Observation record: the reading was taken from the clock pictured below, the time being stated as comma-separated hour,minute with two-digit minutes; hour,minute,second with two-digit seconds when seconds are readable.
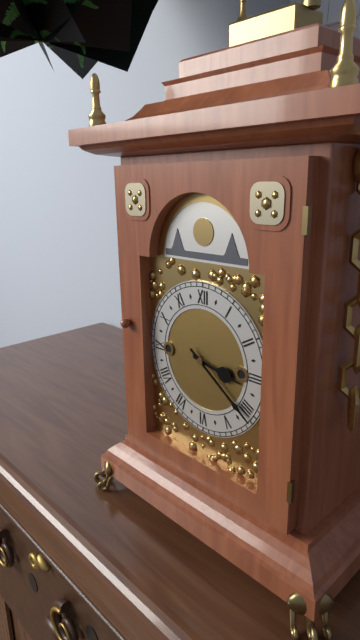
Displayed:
3,21
